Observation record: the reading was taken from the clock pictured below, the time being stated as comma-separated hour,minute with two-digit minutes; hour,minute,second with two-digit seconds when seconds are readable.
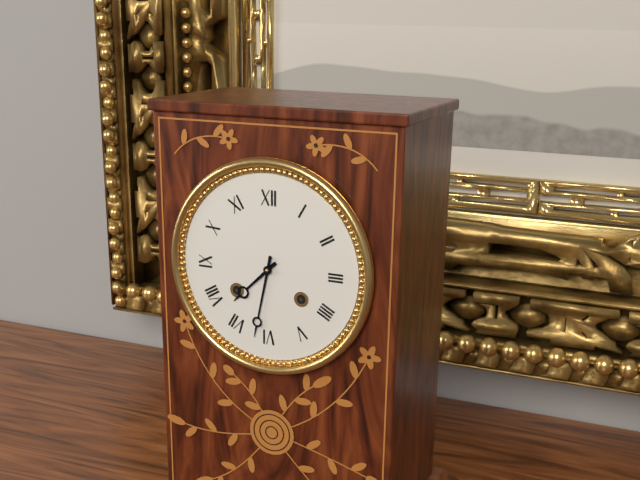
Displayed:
7,32
